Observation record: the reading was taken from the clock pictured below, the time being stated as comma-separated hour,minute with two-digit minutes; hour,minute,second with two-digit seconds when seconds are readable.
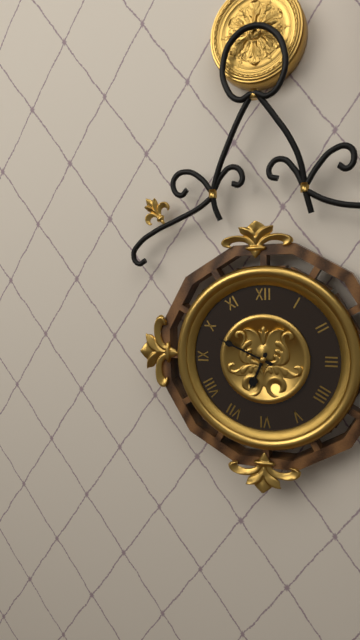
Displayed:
6,49
